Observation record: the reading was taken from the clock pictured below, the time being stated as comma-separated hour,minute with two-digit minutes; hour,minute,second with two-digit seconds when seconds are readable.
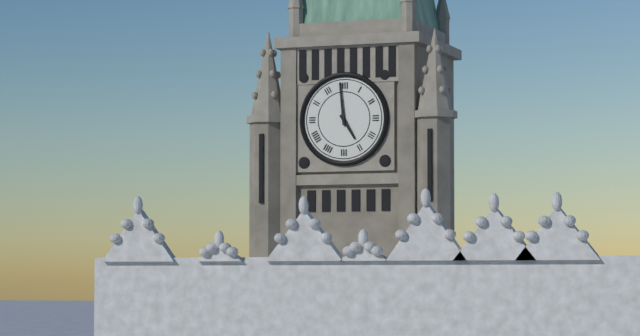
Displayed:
4,59
